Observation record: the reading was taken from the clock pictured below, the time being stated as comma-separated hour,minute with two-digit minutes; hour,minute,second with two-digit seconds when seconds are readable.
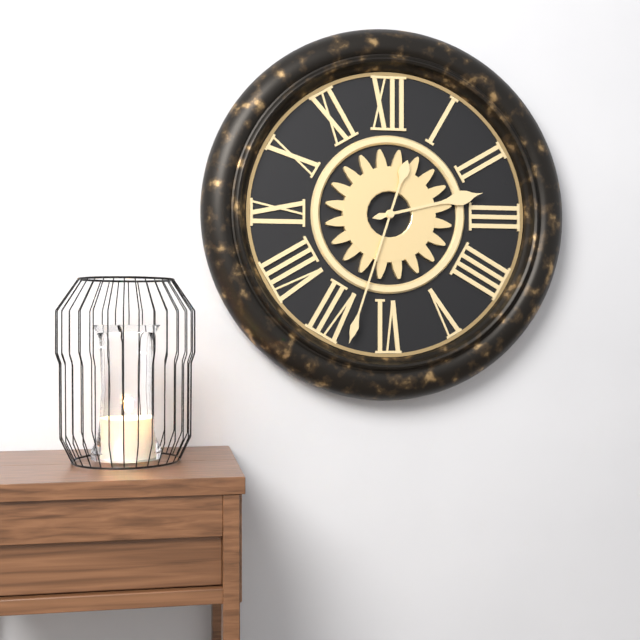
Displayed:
2,33
